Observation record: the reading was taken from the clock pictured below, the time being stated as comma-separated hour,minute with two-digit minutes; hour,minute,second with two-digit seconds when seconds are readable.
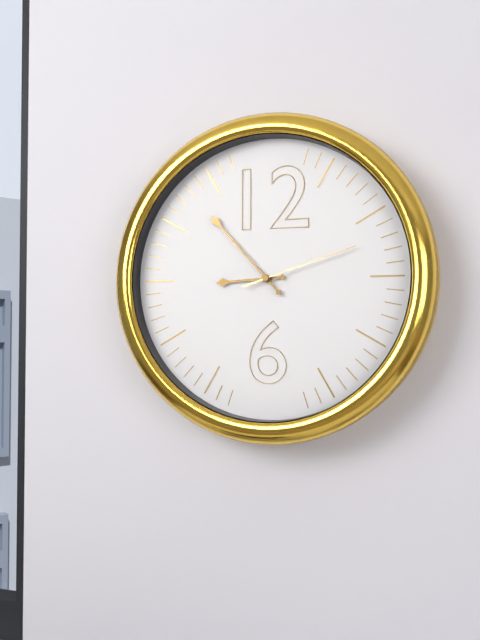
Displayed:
8,53,12
